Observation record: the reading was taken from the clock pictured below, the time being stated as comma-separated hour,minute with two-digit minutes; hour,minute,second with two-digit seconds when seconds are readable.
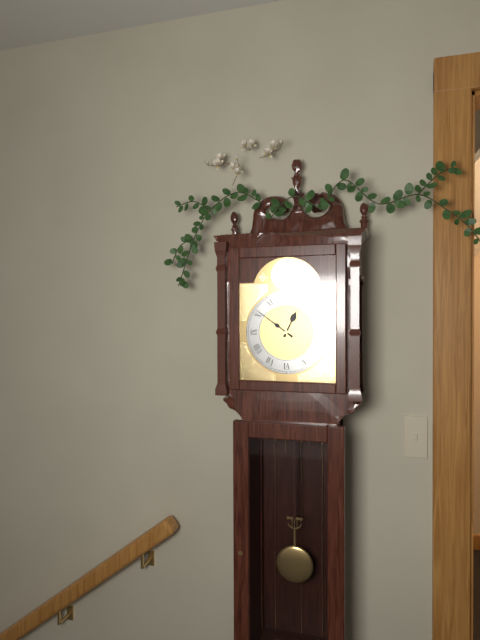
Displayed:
12,51
